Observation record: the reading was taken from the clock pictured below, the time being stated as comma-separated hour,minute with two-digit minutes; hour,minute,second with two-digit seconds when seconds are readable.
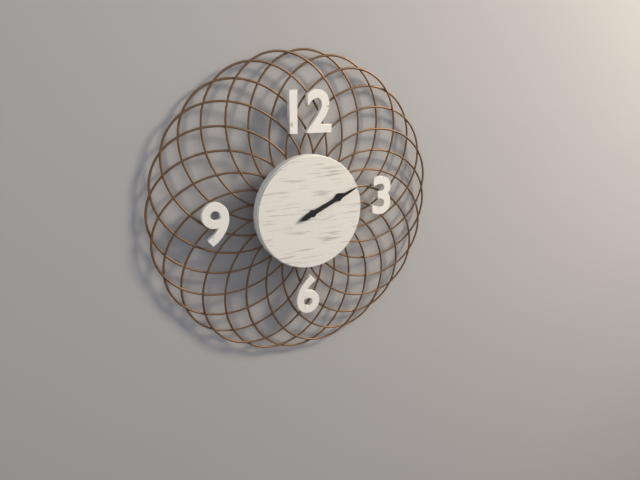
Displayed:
2,11
